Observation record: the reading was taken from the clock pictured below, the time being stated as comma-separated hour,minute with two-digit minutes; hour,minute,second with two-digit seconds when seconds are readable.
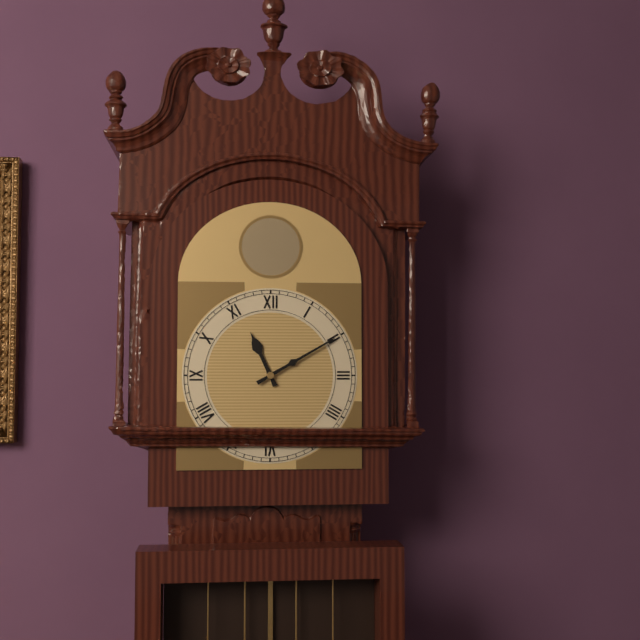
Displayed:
11,10
